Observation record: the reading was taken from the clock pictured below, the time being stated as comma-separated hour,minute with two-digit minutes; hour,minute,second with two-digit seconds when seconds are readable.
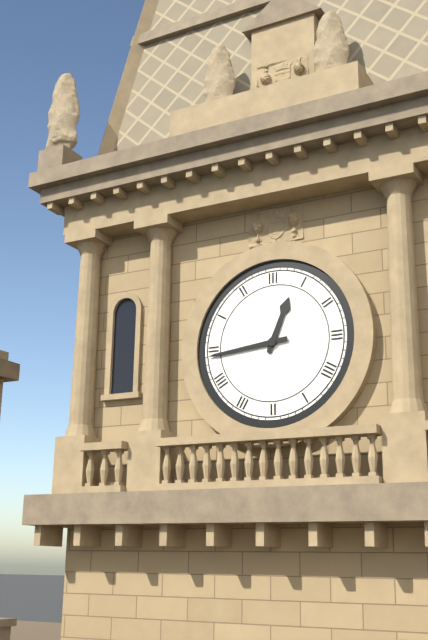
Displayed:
12,44
